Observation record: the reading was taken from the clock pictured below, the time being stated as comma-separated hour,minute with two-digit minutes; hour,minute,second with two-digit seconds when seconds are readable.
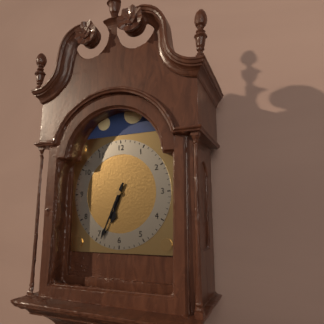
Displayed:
6,34
